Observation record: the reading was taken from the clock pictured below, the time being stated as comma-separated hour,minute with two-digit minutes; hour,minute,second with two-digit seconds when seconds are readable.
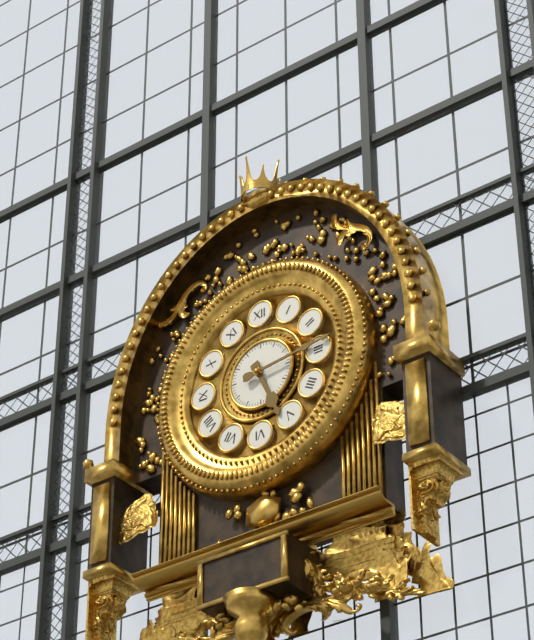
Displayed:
5,14
